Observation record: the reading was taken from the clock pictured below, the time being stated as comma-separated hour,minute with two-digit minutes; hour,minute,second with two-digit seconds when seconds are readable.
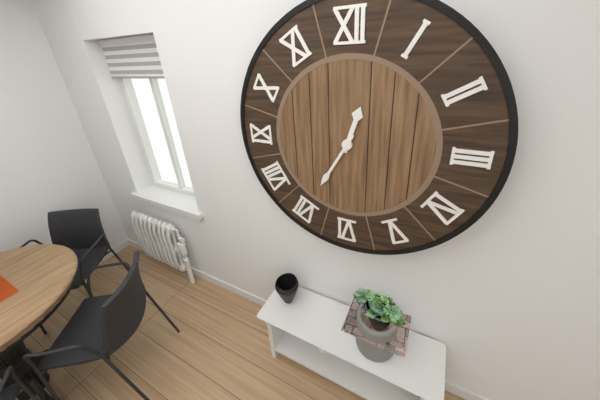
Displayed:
12,35
